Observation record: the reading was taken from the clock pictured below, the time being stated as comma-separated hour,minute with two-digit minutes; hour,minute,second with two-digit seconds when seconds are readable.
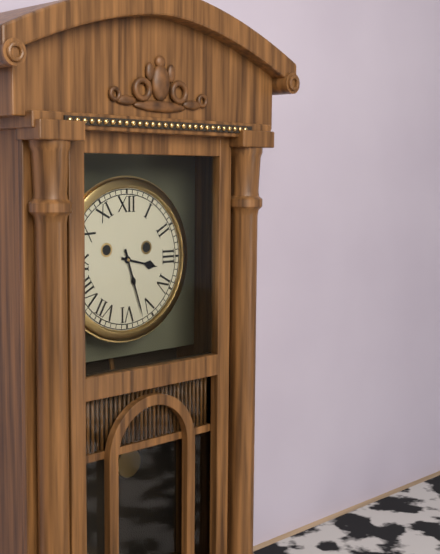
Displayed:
3,27
